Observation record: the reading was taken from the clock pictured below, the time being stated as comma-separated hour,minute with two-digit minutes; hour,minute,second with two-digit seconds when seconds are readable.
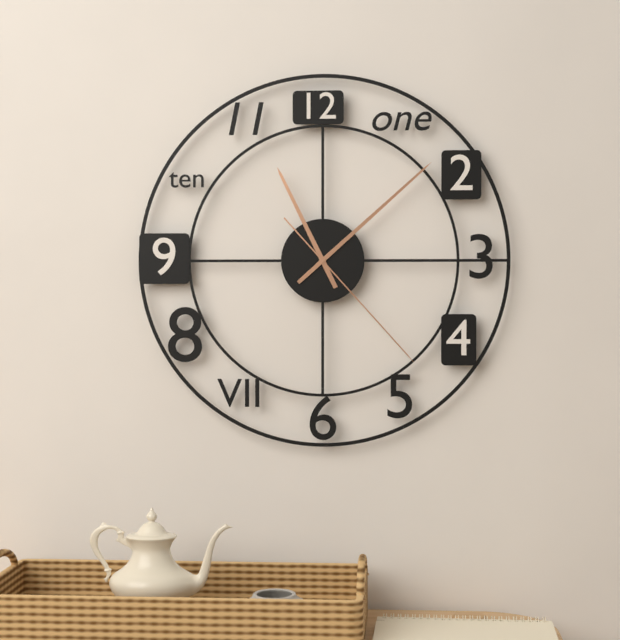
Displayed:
11,08,23
